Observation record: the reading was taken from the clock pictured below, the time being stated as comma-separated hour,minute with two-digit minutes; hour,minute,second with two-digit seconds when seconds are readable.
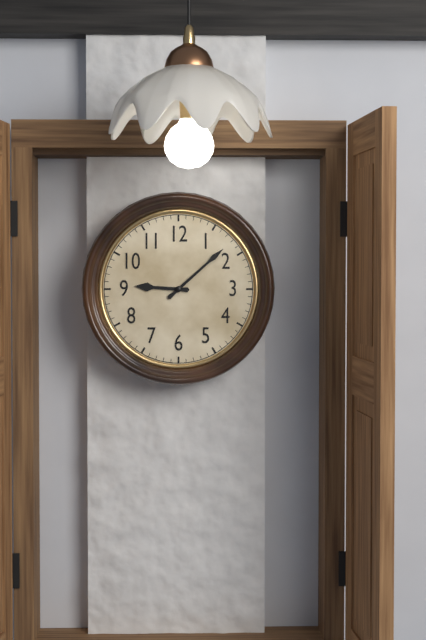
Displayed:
9,08
